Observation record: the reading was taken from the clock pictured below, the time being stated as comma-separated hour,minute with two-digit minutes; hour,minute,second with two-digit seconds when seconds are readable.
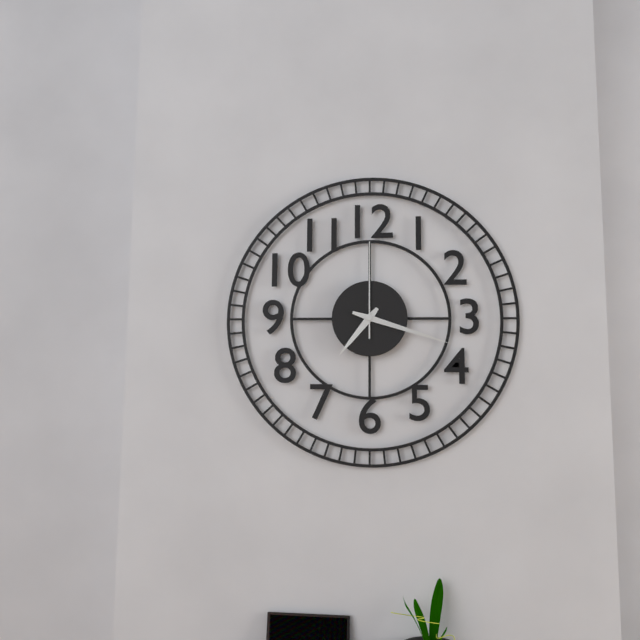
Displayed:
7,18,00
